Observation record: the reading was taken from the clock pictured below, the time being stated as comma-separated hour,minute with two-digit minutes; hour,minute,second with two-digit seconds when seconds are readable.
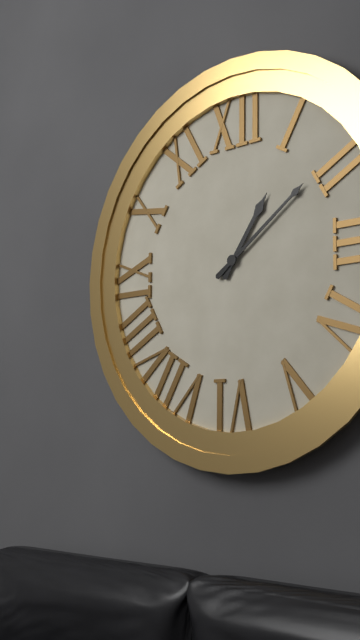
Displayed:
1,09
